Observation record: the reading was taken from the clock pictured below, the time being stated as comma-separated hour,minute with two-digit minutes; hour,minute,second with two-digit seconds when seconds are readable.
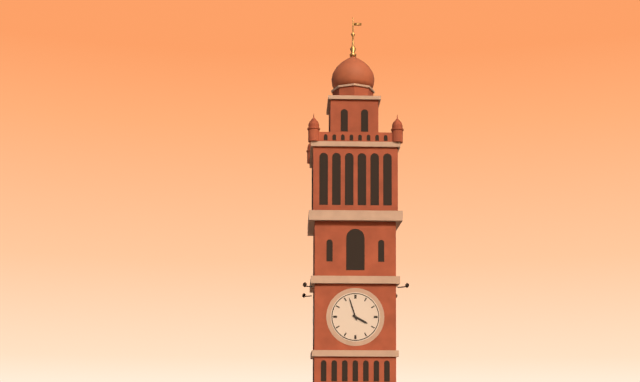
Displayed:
3,57
